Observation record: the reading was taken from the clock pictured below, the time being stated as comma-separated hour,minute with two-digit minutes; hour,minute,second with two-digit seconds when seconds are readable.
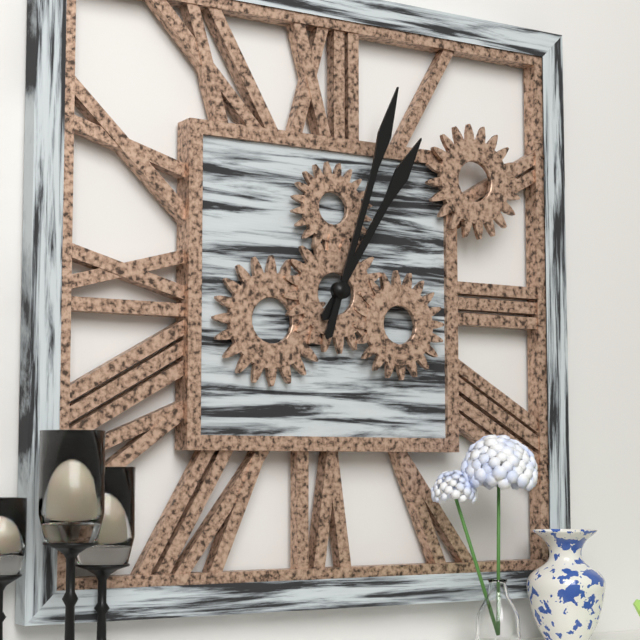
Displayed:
1,03
